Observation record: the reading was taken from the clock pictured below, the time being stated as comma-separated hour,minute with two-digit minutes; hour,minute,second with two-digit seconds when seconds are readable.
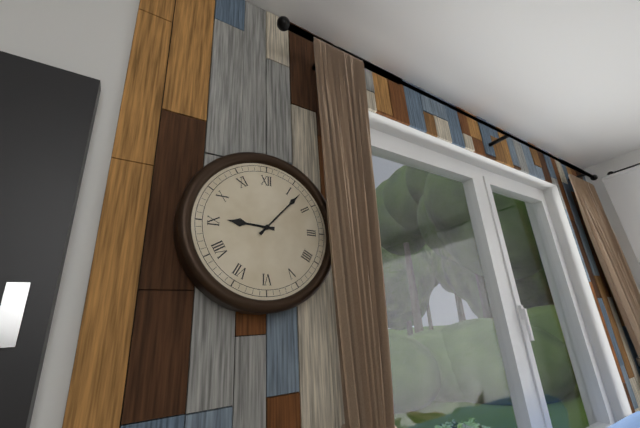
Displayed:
9,07
